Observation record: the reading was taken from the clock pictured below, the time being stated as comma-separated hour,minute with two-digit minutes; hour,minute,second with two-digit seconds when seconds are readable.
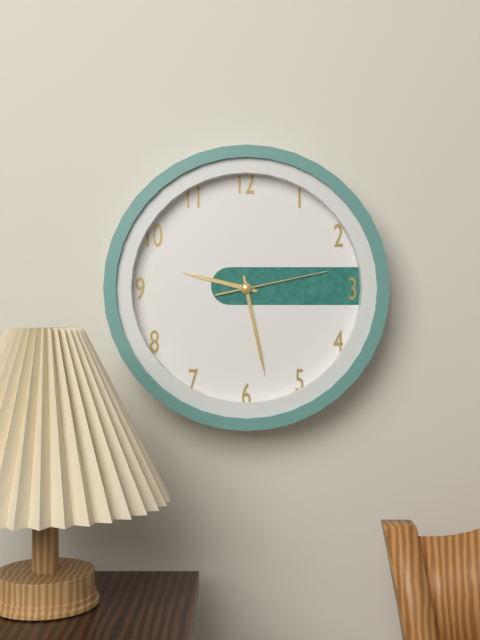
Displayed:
9,28,13
